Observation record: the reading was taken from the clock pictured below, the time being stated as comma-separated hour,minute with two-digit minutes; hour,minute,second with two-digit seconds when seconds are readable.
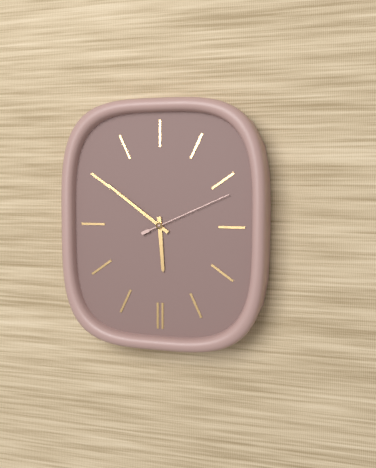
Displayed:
5,51,11
